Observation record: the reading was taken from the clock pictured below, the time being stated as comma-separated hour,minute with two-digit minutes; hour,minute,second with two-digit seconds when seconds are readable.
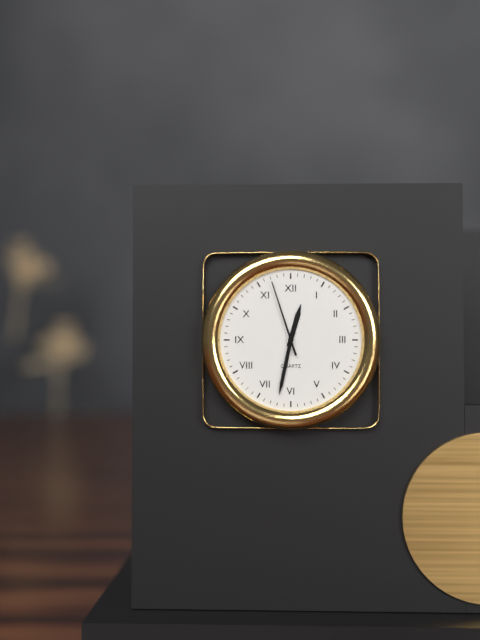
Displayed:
12,32,57
